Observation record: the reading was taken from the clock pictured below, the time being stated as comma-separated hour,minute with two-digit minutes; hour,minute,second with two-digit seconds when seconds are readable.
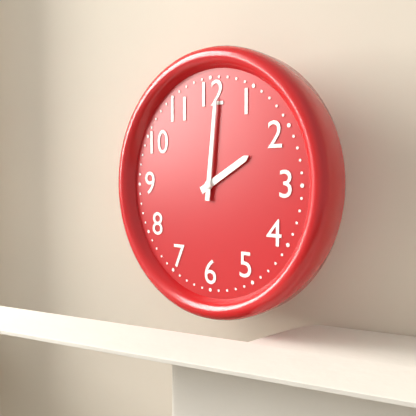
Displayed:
2,01
